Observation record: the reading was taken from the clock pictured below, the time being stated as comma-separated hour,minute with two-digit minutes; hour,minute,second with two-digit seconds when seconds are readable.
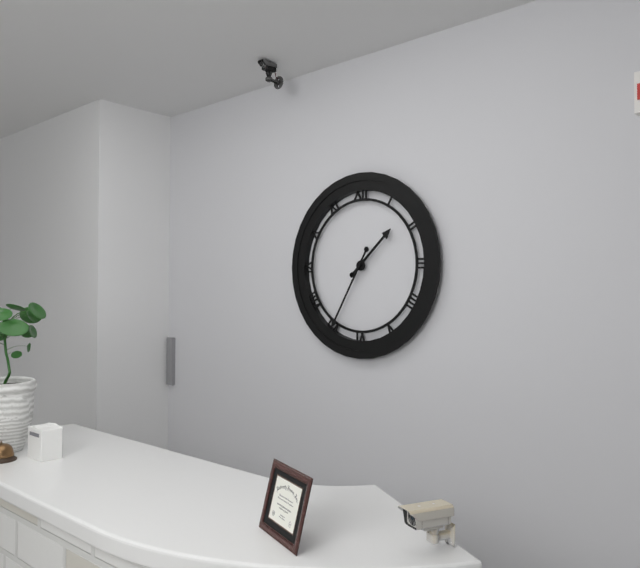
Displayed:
1,35
